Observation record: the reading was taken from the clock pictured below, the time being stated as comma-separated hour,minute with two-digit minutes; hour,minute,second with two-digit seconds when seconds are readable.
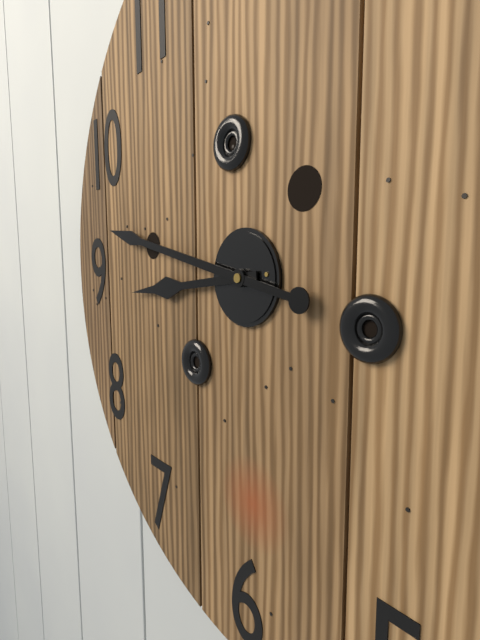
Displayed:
8,47
